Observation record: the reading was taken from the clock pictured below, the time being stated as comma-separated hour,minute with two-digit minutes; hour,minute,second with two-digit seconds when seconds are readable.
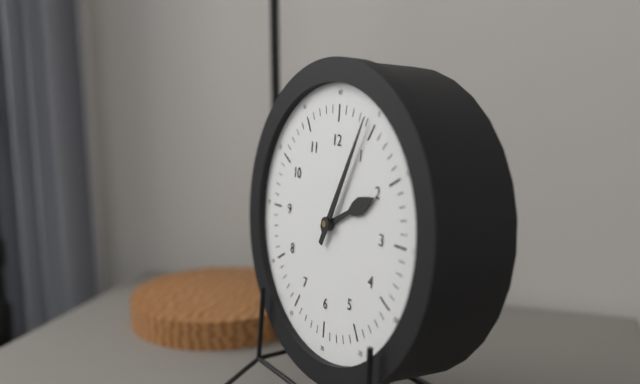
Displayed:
2,04
